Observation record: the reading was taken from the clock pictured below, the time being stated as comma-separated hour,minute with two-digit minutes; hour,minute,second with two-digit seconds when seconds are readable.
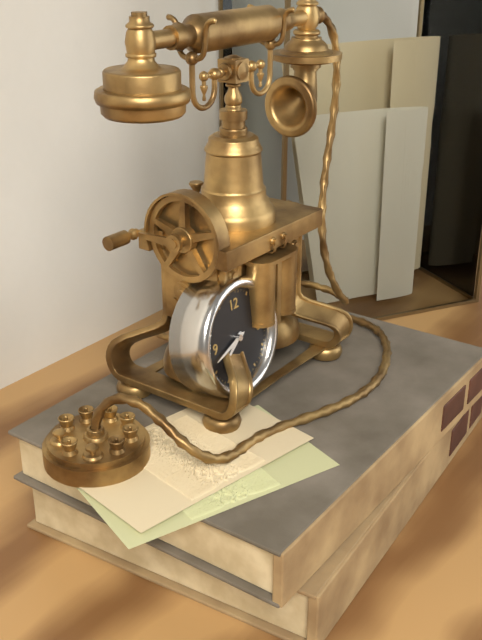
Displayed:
7,42
